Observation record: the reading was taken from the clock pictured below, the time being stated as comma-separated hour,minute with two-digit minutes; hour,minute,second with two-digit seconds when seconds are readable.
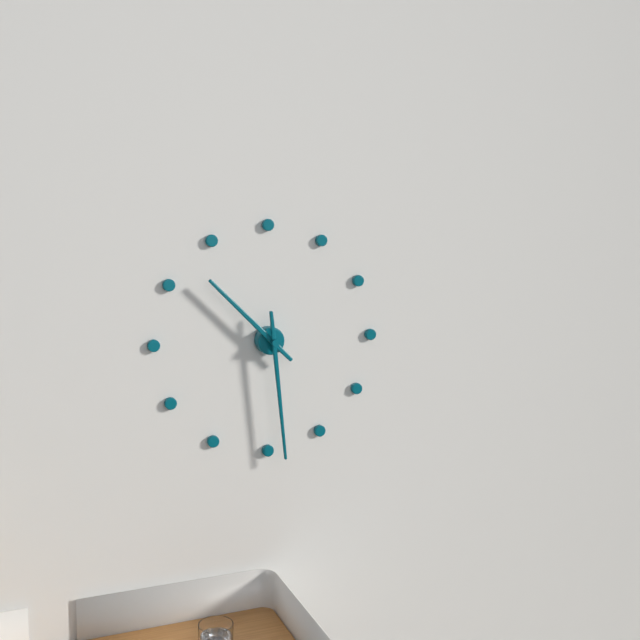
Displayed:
10,29
